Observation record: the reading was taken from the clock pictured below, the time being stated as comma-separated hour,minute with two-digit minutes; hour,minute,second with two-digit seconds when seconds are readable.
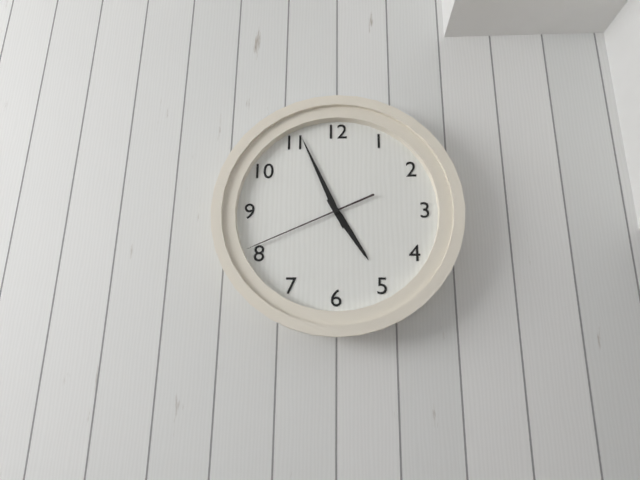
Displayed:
4,56,41
